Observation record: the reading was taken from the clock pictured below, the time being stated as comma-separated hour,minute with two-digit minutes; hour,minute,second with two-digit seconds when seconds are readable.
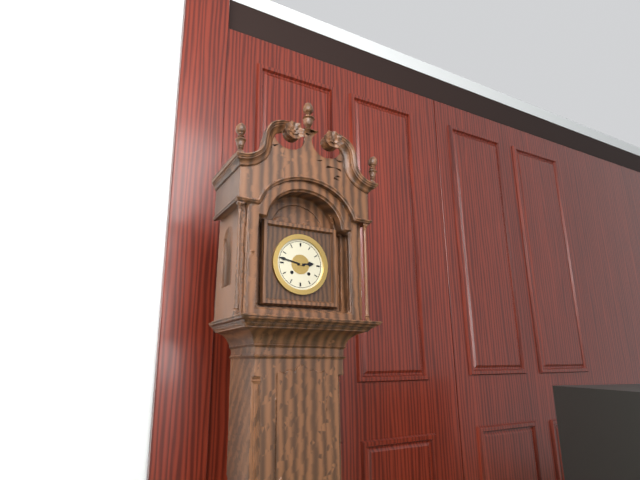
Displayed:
2,47
